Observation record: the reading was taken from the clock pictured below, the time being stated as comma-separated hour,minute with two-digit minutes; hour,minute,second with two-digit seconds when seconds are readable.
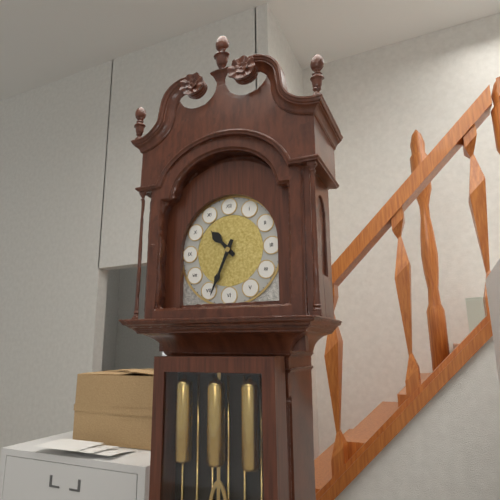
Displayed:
10,34
